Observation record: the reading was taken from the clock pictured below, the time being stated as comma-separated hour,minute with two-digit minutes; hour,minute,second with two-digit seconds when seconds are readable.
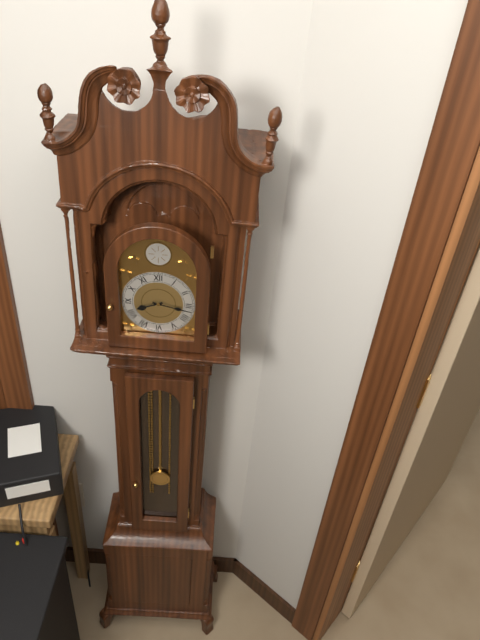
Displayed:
8,17
